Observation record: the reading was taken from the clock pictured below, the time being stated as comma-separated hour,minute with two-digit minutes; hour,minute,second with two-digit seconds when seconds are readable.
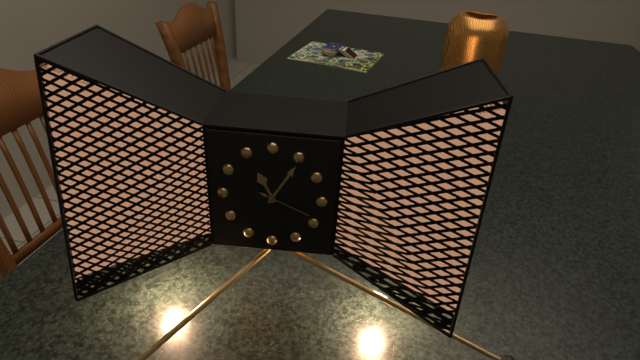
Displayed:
11,05,19
